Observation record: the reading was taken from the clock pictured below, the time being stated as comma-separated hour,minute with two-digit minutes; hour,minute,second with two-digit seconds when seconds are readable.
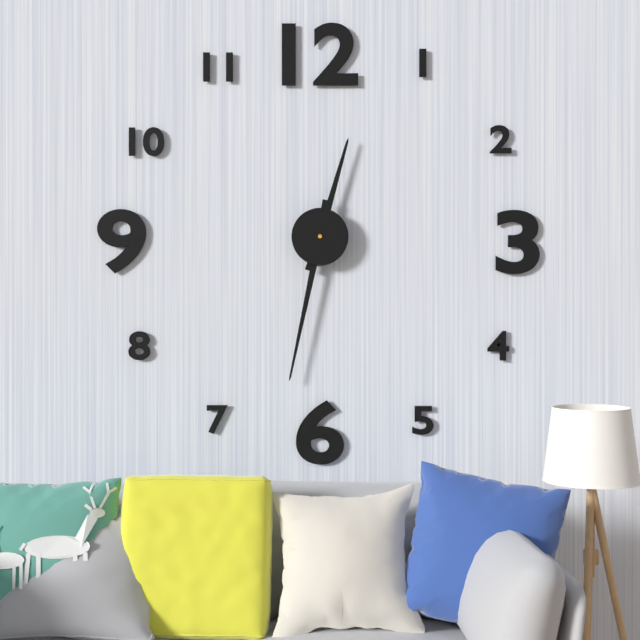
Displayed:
12,32
